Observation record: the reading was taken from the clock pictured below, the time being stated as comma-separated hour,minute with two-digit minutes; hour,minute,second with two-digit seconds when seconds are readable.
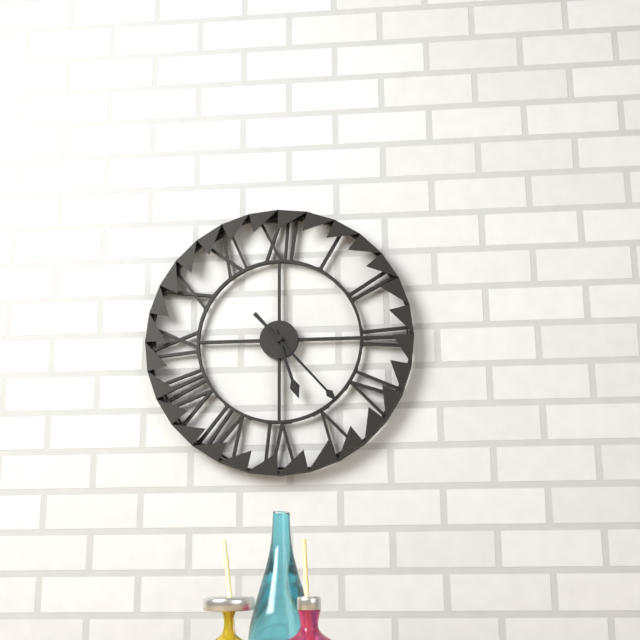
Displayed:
5,23
